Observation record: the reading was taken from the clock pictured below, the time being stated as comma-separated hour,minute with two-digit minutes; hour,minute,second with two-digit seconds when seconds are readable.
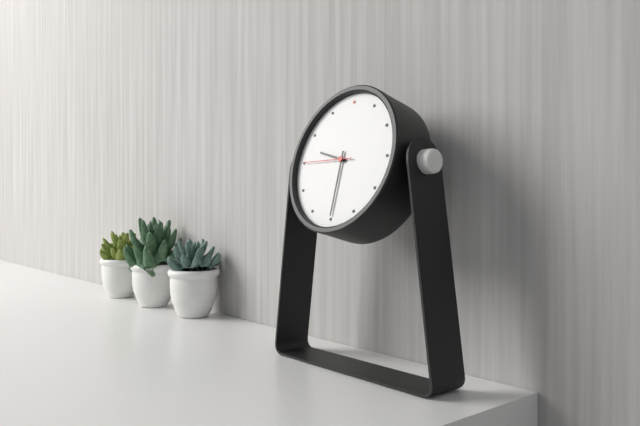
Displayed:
9,30
